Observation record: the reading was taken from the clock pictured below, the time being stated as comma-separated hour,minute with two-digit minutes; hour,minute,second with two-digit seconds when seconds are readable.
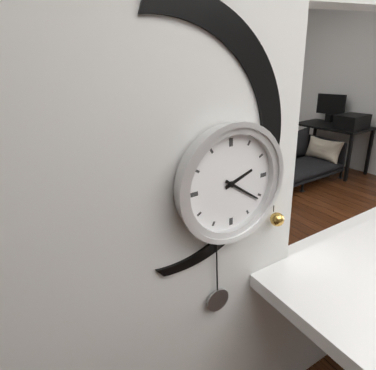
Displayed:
2,21
